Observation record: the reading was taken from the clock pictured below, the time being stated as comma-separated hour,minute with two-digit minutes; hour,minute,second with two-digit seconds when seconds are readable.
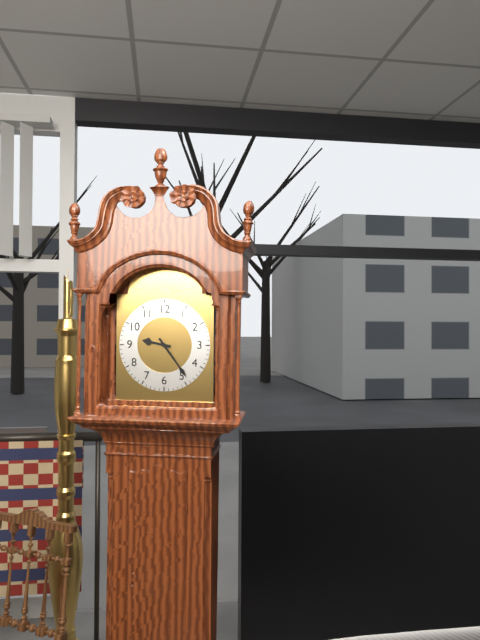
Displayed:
9,24
